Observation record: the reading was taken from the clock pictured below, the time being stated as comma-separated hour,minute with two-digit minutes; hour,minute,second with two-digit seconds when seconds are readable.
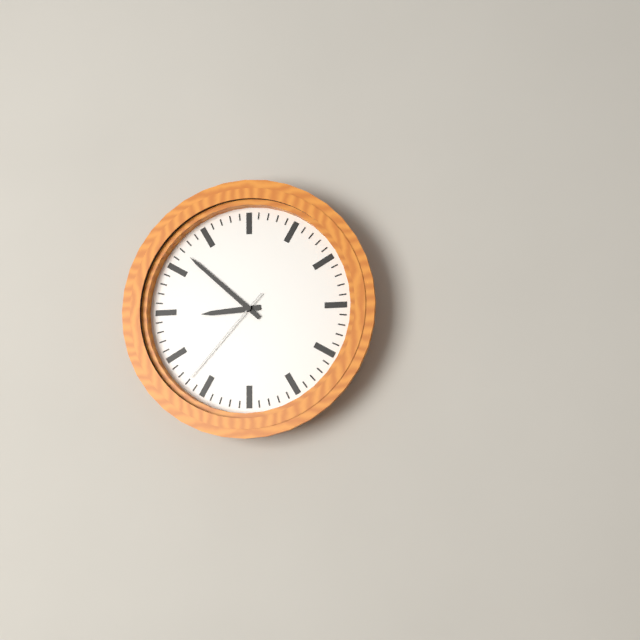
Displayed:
8,52,37
